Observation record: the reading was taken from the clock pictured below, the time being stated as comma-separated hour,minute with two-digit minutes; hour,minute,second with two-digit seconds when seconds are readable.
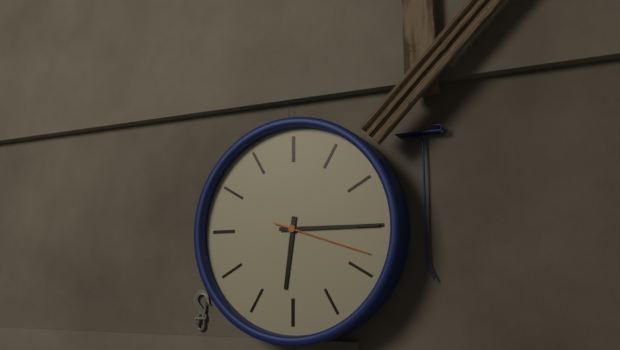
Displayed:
6,15,18
